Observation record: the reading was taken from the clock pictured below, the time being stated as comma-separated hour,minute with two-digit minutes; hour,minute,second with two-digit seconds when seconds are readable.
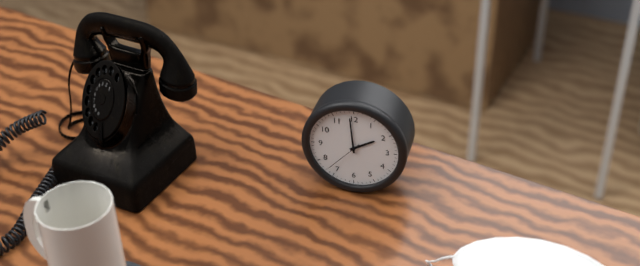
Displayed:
1,59
